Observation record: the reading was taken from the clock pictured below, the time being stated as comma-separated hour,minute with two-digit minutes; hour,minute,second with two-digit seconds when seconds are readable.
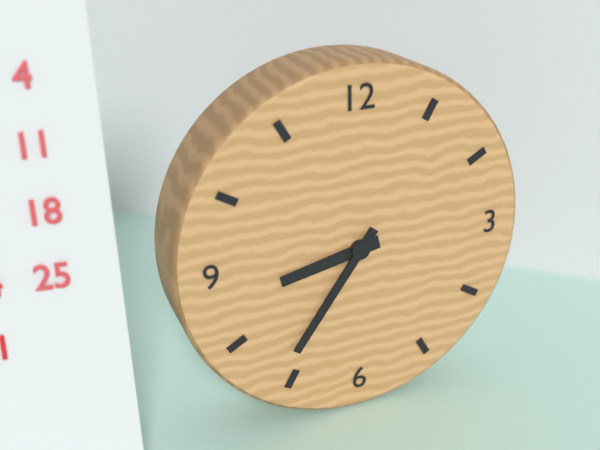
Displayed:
8,36
